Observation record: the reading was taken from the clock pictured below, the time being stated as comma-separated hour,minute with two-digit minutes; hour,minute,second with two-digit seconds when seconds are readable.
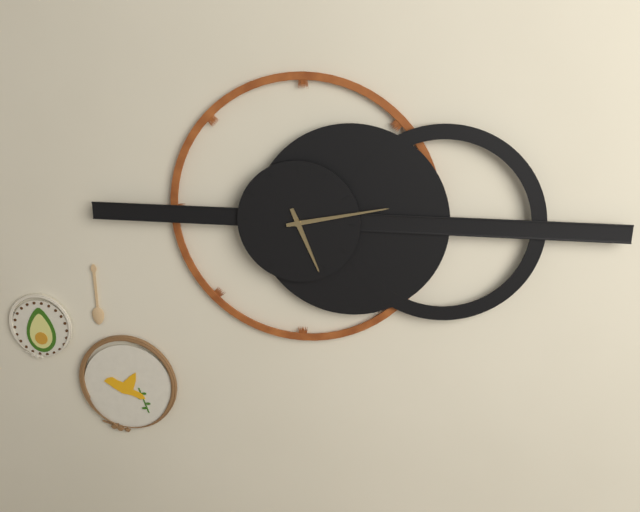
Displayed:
5,13
